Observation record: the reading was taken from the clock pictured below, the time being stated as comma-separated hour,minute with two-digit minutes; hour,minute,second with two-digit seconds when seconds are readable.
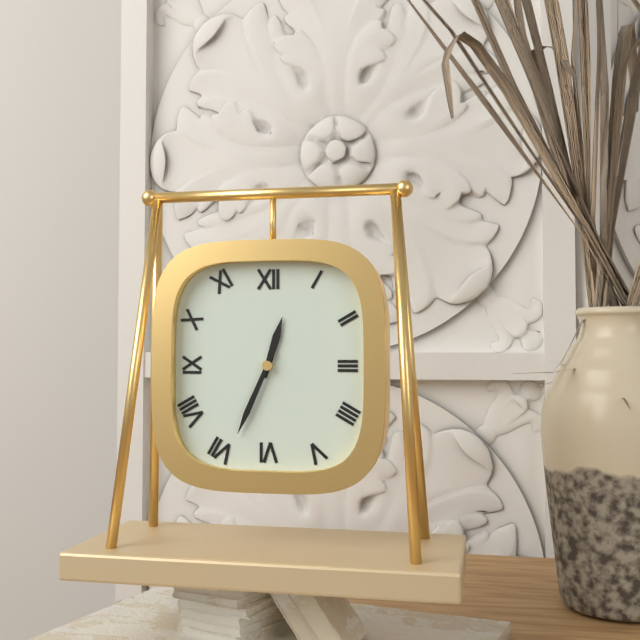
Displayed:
12,34
